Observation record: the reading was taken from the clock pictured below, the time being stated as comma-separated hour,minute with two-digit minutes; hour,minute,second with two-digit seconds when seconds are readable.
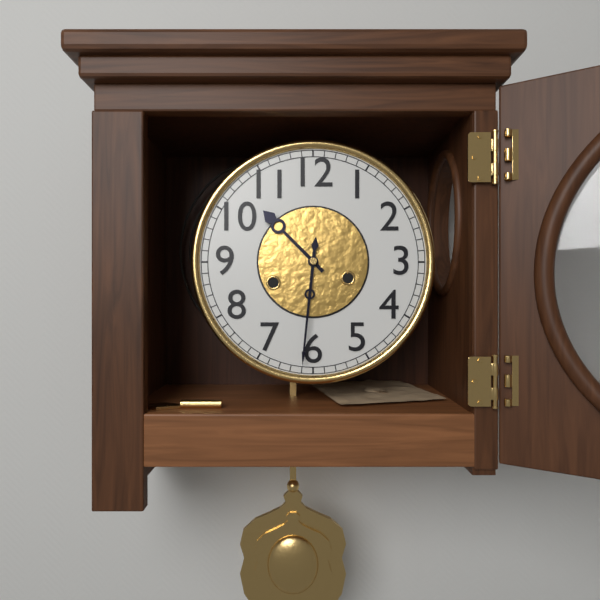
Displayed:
10,31
